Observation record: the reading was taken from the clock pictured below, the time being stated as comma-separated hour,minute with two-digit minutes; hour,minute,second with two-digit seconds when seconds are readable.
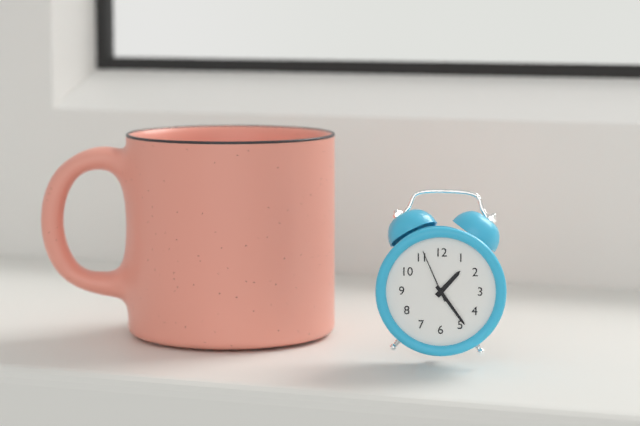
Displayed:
1,24,56
